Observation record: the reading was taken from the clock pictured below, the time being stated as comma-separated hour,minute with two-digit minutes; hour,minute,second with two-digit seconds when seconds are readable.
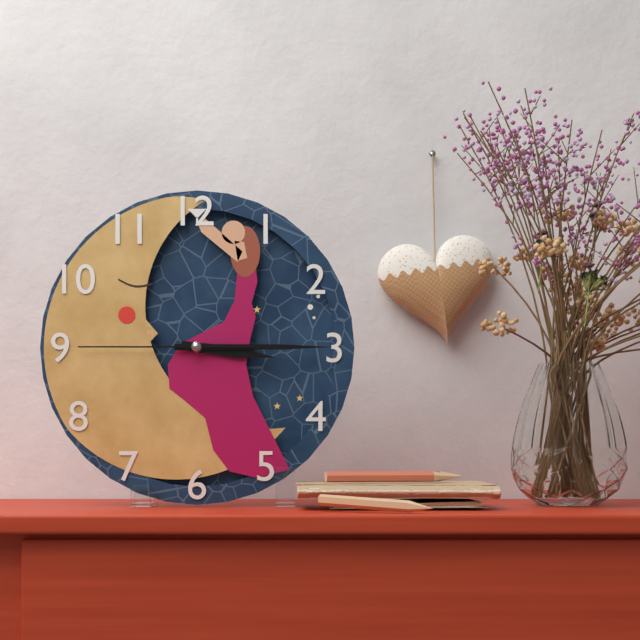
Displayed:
3,15,45
